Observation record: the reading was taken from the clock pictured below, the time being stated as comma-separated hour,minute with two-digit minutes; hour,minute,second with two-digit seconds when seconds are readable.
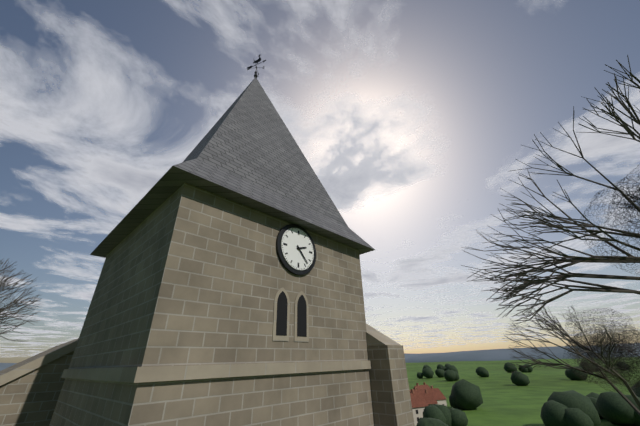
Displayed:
2,23
